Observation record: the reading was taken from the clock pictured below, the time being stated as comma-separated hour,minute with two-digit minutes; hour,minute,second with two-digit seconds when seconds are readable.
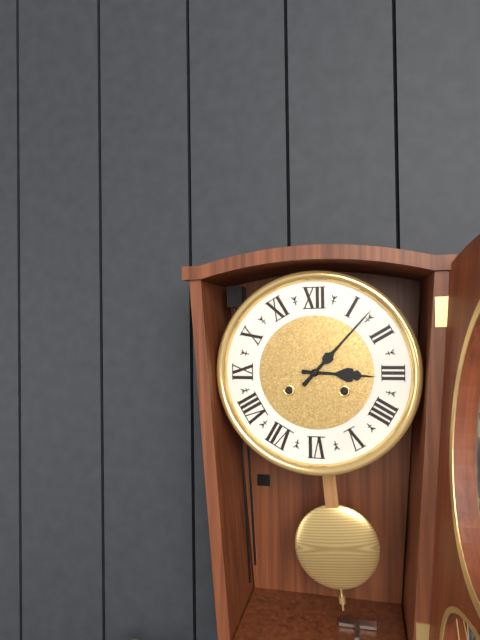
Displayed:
3,07
